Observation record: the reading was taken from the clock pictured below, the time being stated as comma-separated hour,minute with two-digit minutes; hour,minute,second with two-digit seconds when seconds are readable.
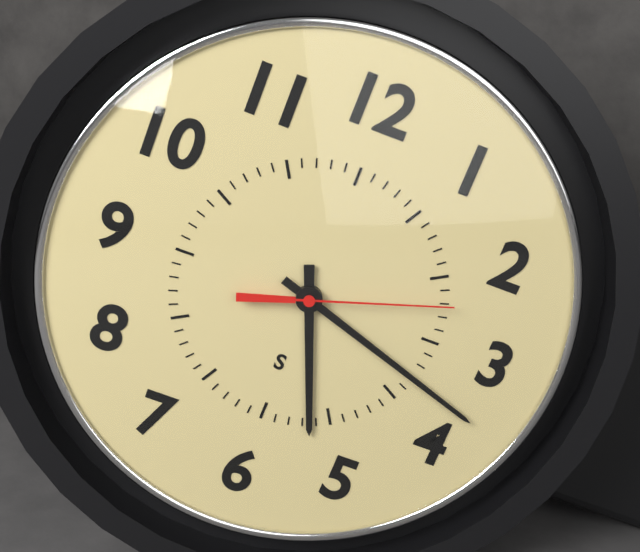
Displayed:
5,18,12
